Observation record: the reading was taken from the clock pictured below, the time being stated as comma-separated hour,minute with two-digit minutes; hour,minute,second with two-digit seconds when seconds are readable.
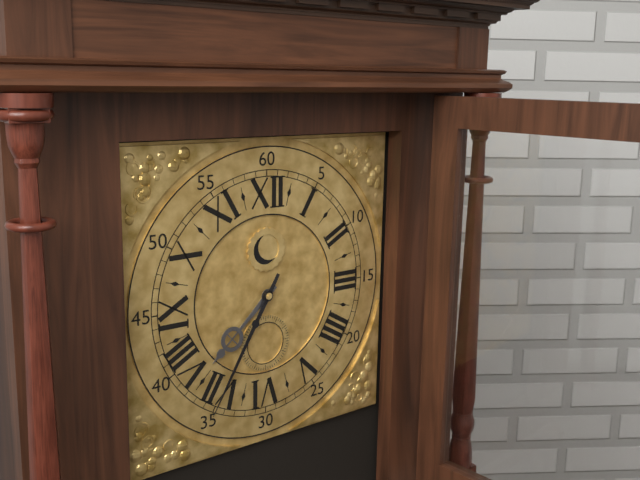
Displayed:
7,35
